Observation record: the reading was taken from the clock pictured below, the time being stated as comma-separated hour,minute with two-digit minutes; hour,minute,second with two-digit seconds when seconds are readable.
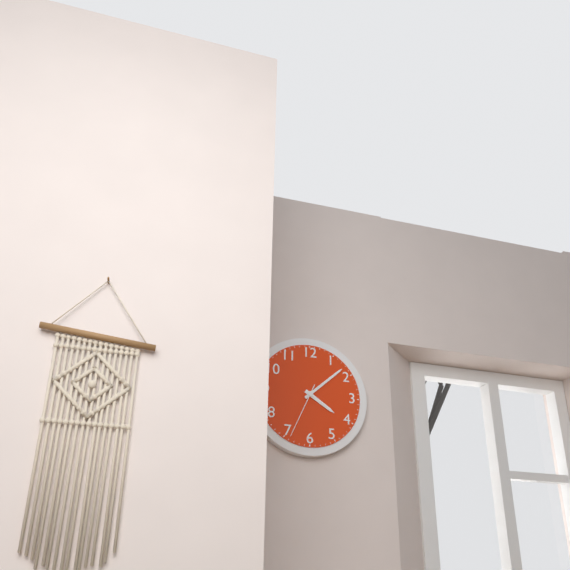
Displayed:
4,08,34
